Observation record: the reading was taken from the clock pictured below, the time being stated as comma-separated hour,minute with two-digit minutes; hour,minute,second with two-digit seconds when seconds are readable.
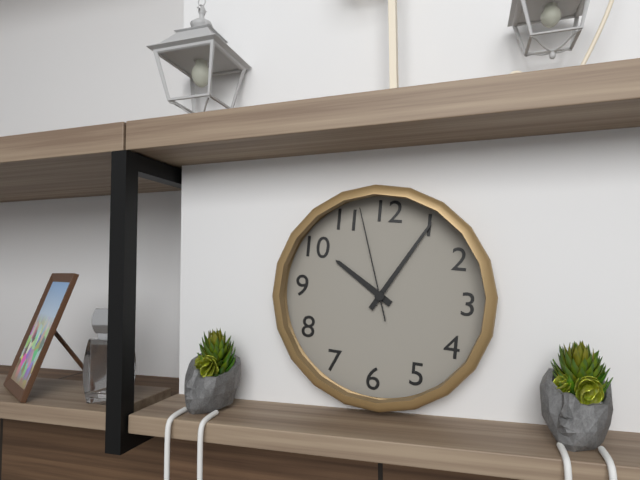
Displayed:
10,05,57
